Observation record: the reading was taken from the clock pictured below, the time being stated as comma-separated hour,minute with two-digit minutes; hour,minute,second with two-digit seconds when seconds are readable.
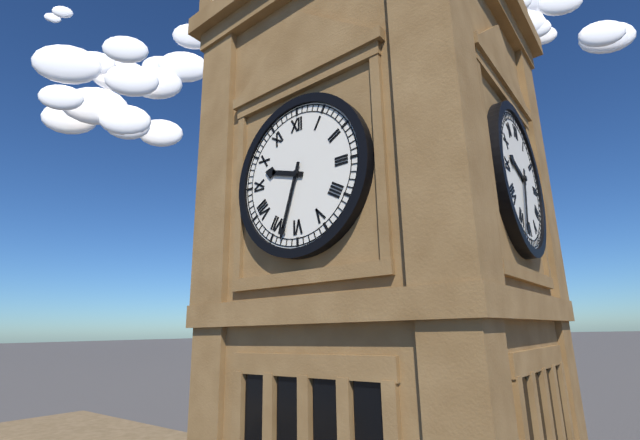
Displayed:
9,33
